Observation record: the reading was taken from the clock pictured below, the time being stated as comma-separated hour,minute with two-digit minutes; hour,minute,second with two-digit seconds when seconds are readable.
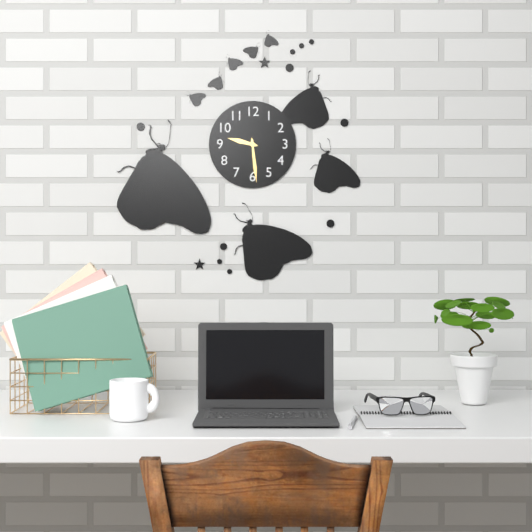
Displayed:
9,29
